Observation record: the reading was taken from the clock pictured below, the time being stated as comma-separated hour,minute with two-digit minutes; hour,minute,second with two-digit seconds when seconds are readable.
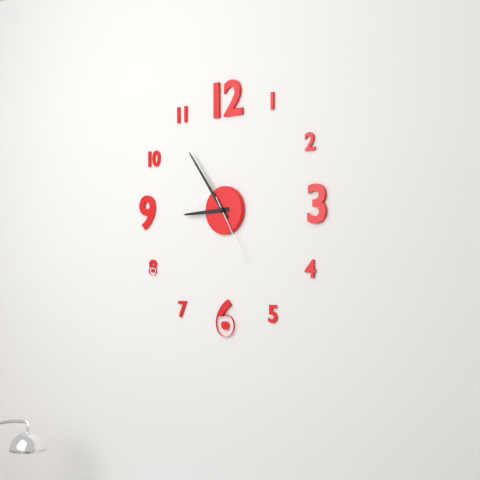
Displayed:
8,54,25
